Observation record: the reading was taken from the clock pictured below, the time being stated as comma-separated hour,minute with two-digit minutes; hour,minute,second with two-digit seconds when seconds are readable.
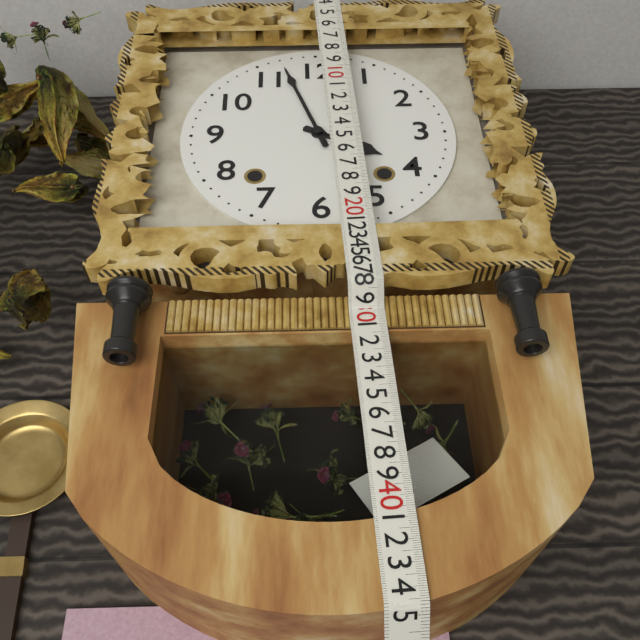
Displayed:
3,57
